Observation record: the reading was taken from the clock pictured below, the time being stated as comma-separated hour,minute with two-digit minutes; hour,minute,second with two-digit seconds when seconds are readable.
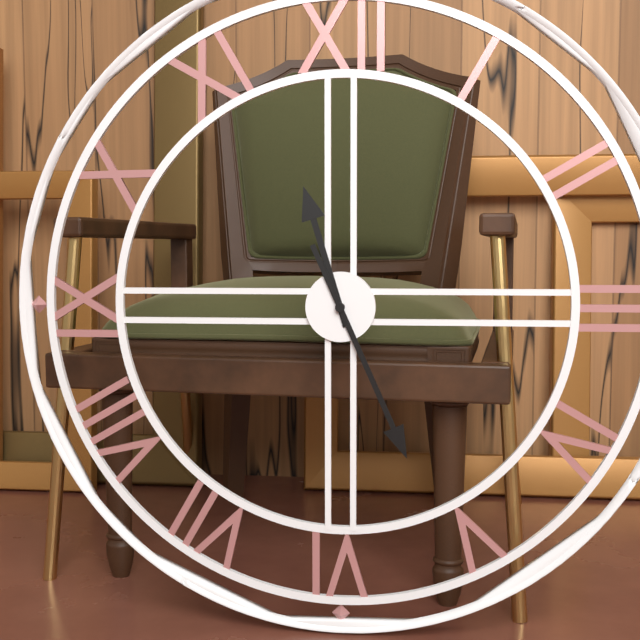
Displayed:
11,26
